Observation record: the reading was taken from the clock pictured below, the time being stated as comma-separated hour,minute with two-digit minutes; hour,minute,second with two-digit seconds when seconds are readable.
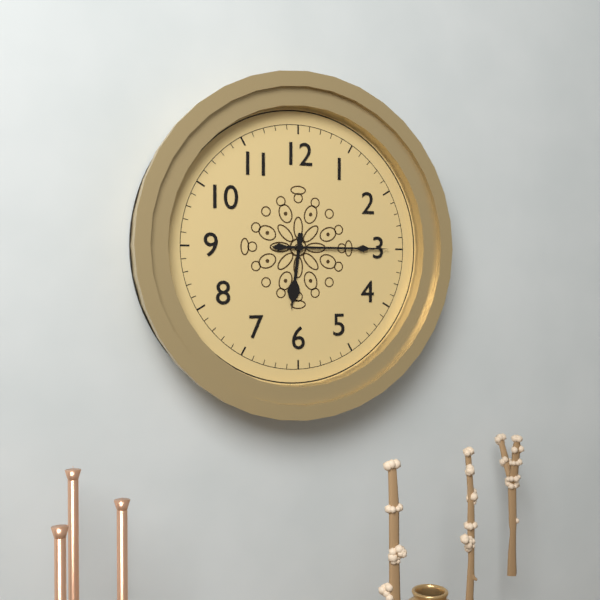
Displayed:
6,15
